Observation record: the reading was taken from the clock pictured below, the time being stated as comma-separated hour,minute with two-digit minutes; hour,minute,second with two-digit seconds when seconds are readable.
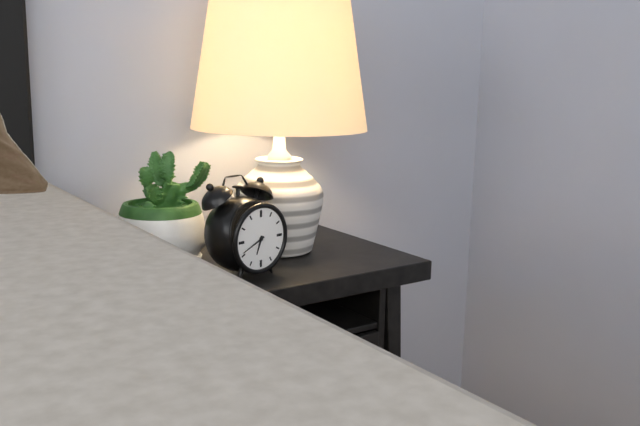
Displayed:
6,41
